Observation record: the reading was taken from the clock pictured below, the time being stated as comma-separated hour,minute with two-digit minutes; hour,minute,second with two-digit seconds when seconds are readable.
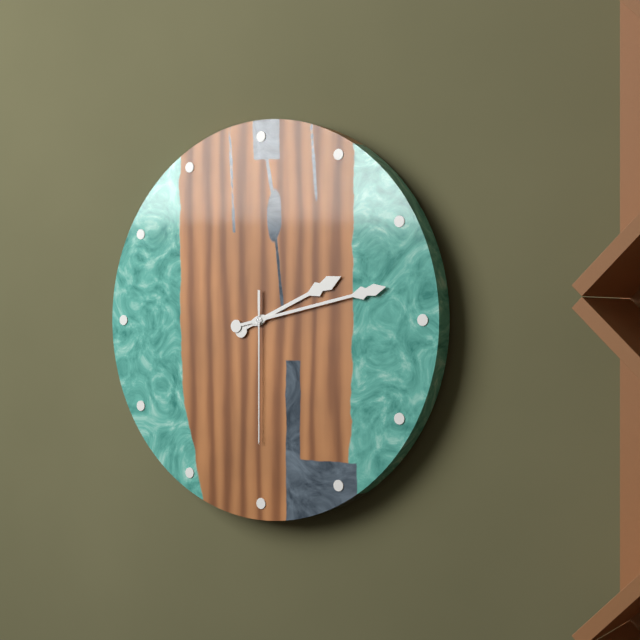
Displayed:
2,13,30
